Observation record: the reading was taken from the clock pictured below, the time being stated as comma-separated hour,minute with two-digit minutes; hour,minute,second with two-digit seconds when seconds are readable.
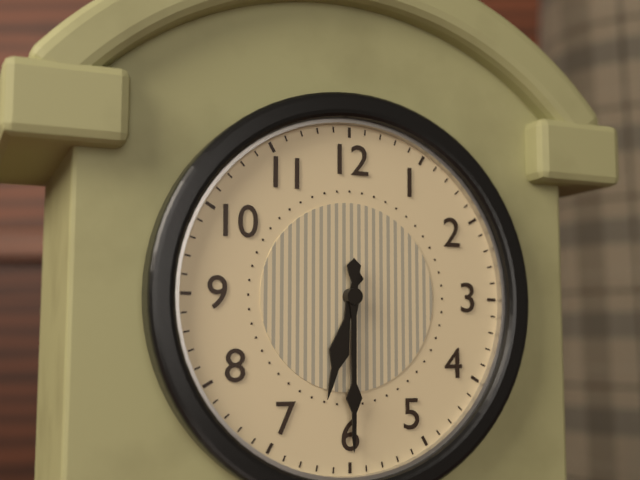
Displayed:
6,30
